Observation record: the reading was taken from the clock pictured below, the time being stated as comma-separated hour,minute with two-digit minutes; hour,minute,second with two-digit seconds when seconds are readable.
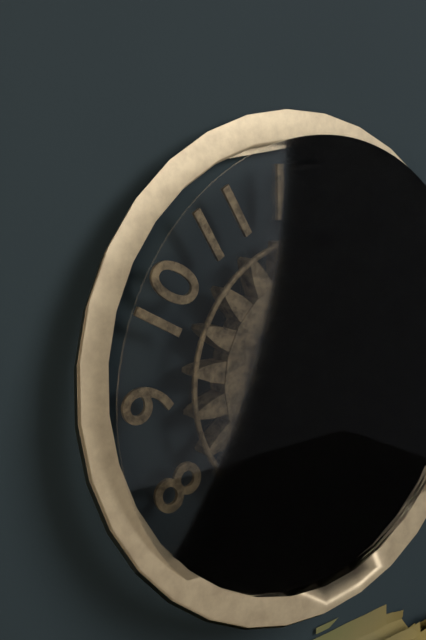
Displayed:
12,19,21
